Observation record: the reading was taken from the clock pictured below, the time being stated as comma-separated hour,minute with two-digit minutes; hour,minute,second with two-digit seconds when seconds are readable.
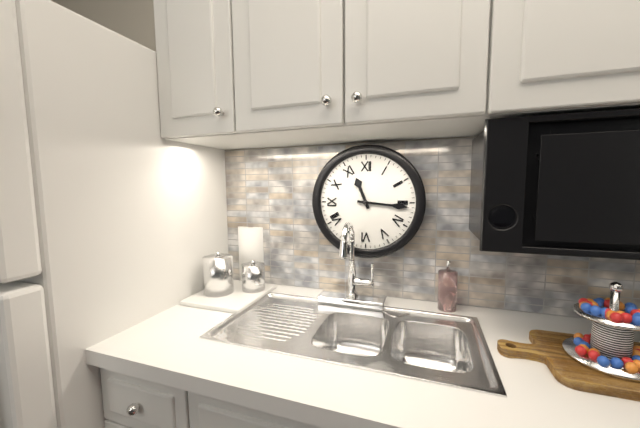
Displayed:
11,16
